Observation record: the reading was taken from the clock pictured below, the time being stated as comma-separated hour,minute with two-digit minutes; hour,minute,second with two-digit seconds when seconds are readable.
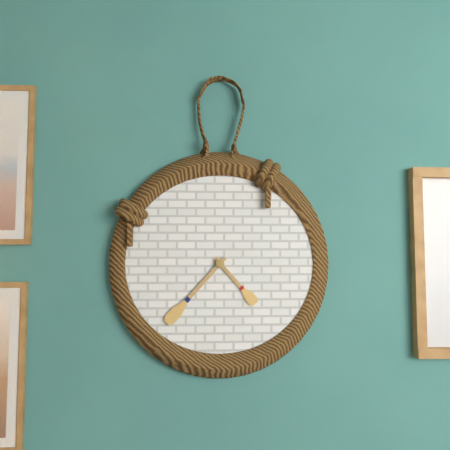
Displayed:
4,37
